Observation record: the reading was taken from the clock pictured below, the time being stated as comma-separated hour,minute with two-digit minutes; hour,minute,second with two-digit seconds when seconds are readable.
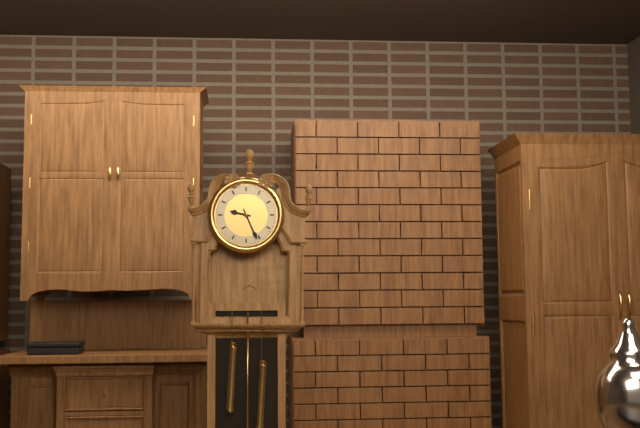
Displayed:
9,26
